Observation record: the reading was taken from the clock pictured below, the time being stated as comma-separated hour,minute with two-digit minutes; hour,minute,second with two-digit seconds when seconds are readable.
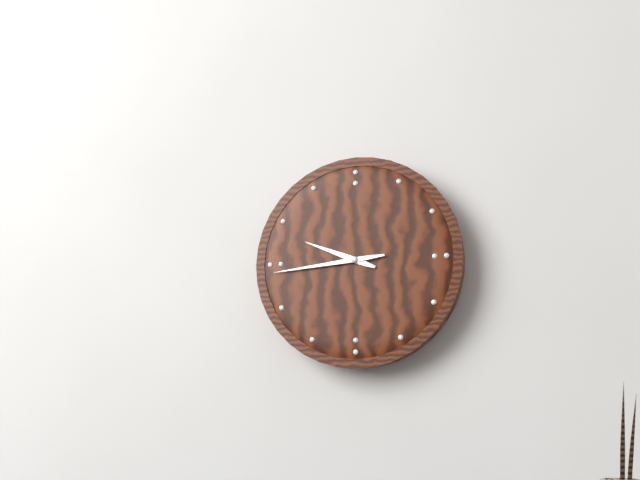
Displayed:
9,44
